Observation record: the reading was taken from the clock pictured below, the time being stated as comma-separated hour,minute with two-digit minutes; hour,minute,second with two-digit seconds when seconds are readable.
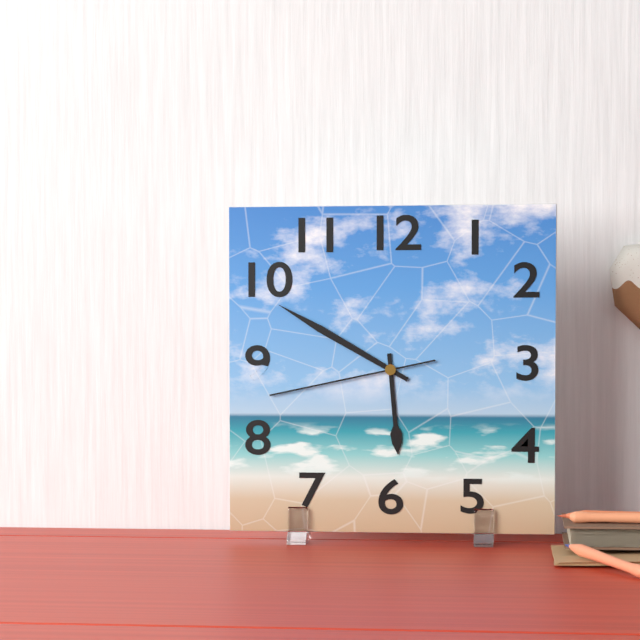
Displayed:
5,50,43
